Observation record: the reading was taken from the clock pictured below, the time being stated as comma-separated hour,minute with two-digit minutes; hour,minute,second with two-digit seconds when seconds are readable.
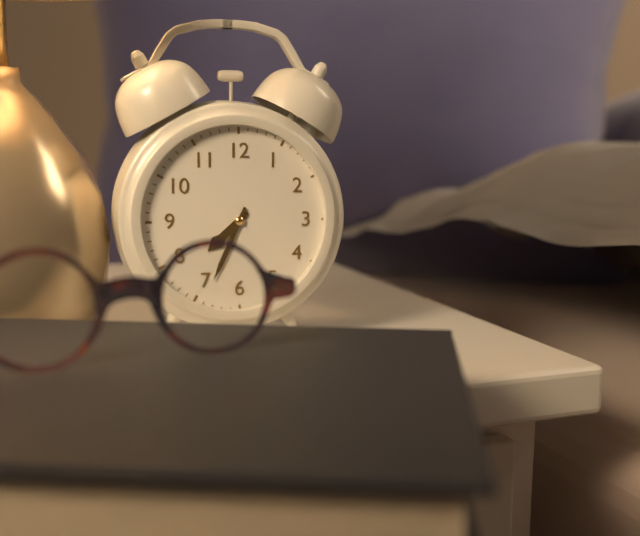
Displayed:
7,34
